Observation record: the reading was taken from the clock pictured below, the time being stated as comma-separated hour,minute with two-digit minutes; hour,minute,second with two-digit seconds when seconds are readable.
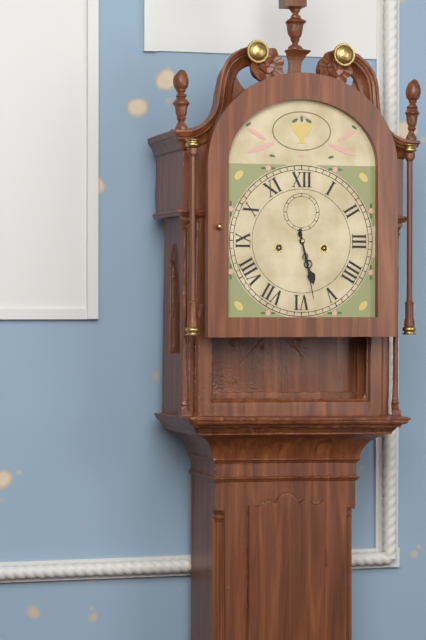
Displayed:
5,28
